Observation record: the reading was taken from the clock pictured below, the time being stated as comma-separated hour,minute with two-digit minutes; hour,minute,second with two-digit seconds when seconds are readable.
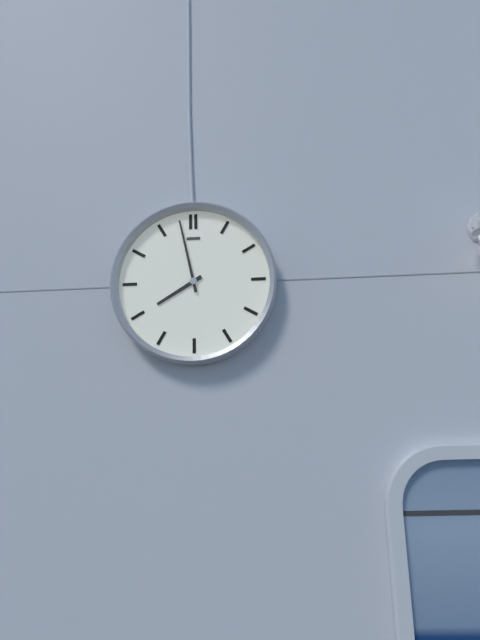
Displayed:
7,58
